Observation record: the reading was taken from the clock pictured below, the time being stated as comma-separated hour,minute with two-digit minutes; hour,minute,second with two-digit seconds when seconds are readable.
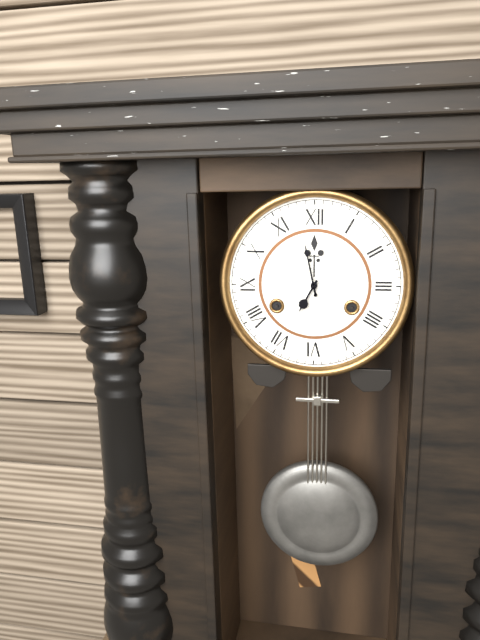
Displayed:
6,58
